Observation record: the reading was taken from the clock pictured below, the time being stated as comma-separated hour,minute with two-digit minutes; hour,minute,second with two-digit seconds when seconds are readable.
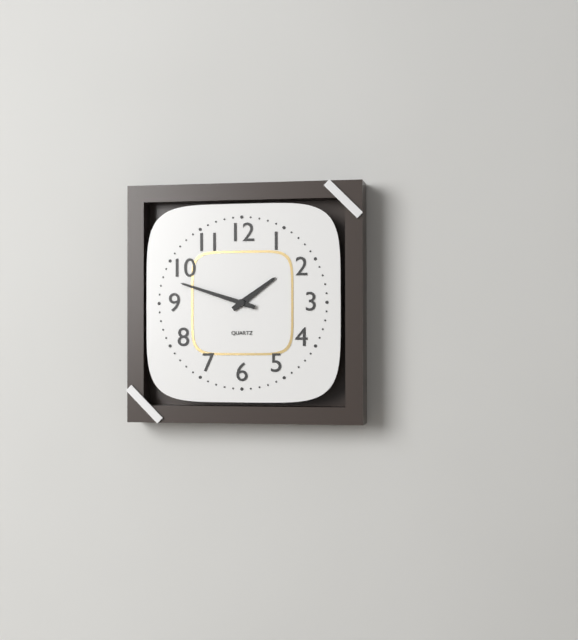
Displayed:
1,48
